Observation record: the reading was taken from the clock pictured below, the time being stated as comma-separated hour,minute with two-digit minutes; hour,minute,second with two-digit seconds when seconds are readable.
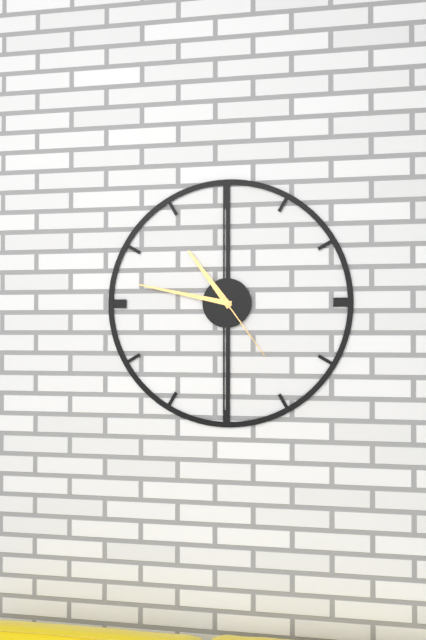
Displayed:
10,47,24
